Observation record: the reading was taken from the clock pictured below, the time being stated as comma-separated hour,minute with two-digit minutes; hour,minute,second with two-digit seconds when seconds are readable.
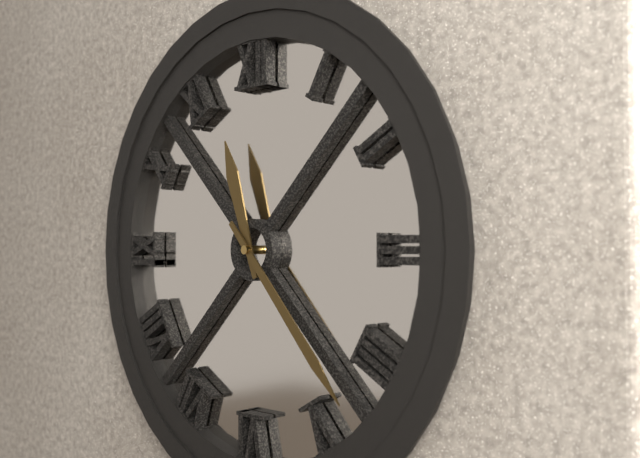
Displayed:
11,23
